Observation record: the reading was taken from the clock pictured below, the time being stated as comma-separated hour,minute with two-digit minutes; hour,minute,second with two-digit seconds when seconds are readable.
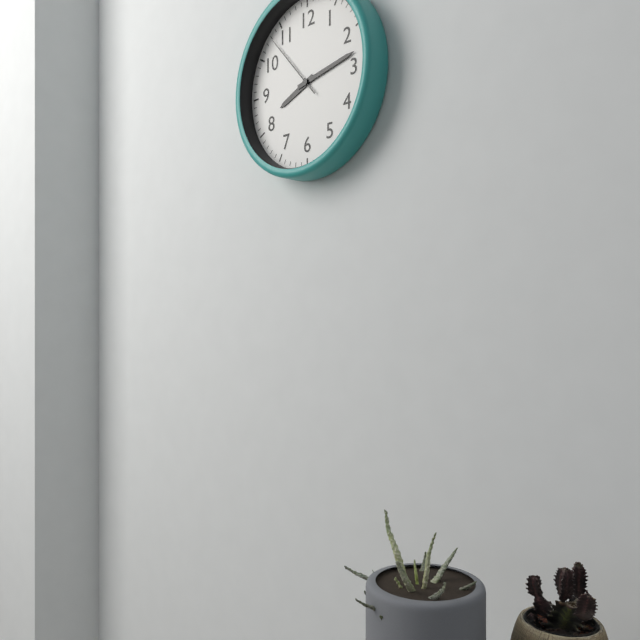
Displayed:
8,13,53
